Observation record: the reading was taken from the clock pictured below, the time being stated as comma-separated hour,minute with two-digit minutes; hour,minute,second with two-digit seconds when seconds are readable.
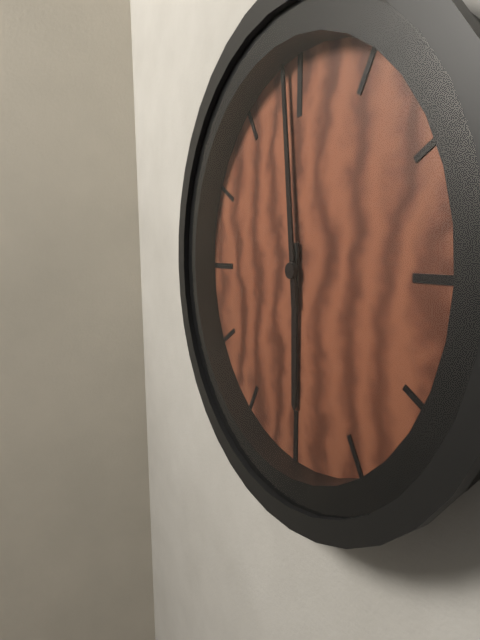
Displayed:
5,59
